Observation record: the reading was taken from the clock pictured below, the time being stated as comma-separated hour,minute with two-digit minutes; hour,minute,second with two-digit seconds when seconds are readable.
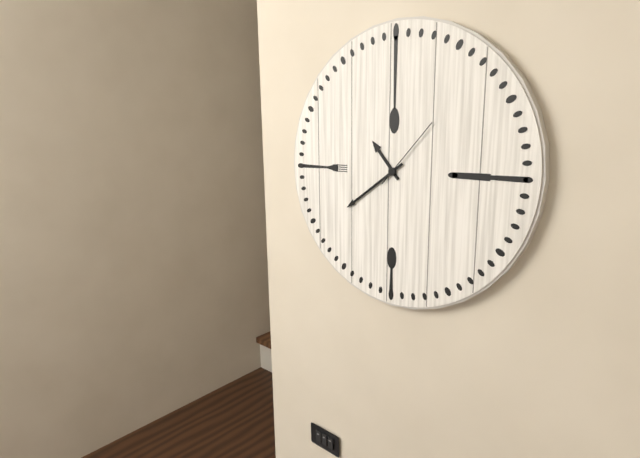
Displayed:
10,39,07
